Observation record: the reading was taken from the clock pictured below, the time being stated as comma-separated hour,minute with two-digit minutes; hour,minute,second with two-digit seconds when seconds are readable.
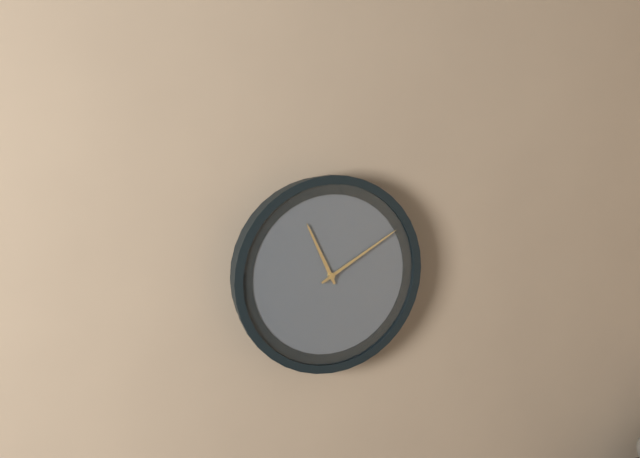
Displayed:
11,10
